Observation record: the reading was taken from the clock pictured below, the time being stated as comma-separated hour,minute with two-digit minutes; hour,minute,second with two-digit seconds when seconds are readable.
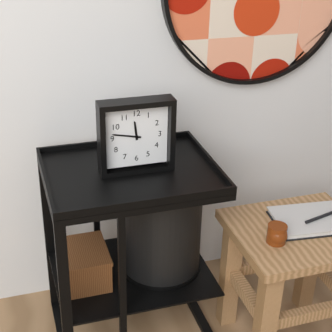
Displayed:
11,47
